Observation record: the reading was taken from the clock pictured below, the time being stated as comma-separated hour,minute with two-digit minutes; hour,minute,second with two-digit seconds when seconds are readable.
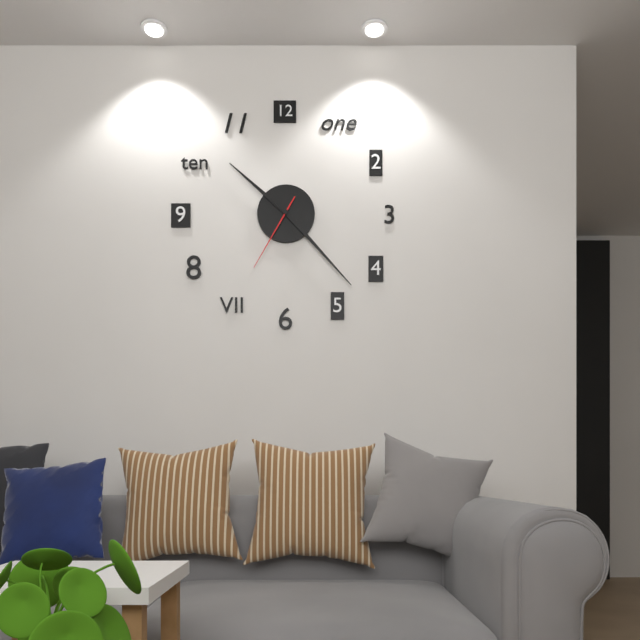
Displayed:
10,23,35
